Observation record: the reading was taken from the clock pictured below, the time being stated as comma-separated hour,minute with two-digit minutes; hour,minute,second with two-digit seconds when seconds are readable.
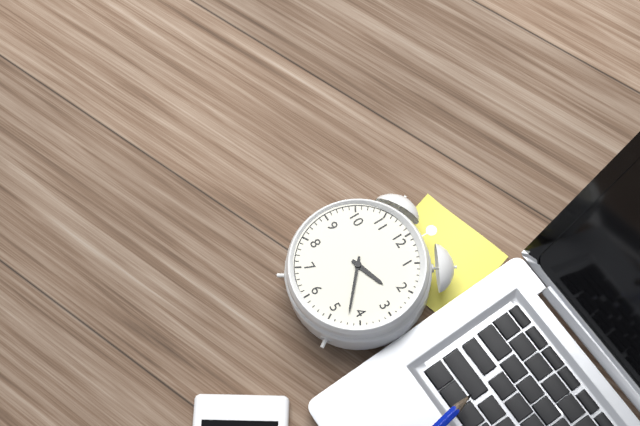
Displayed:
2,22
